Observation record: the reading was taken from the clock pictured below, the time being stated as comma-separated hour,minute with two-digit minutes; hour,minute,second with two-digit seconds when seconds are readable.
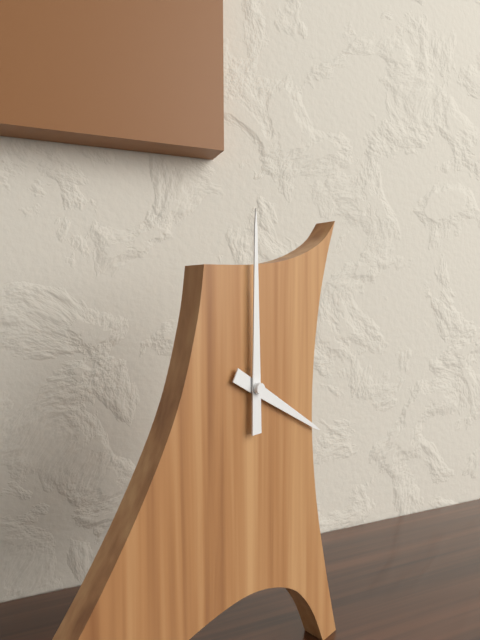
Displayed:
4,00
